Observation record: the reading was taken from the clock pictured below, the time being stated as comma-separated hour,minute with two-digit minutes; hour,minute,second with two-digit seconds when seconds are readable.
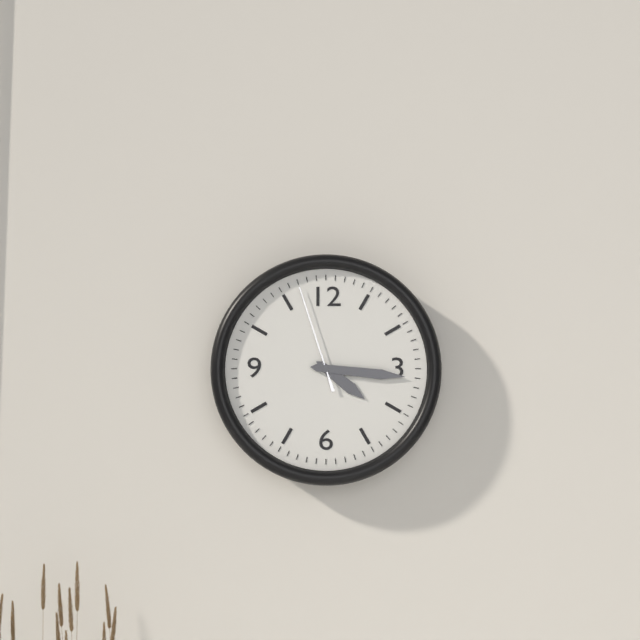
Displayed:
4,16,57
